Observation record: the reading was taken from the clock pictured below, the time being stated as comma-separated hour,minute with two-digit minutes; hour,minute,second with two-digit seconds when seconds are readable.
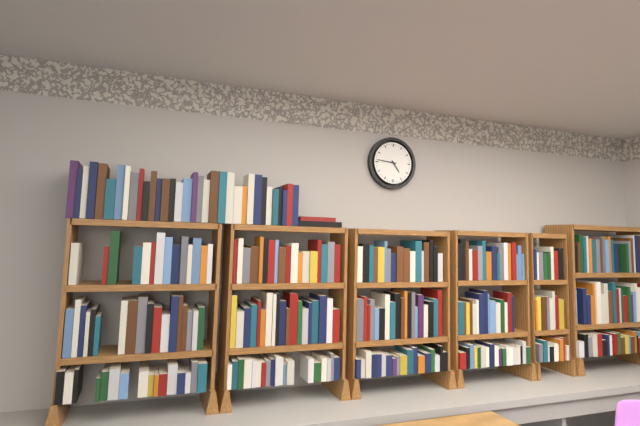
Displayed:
4,46
